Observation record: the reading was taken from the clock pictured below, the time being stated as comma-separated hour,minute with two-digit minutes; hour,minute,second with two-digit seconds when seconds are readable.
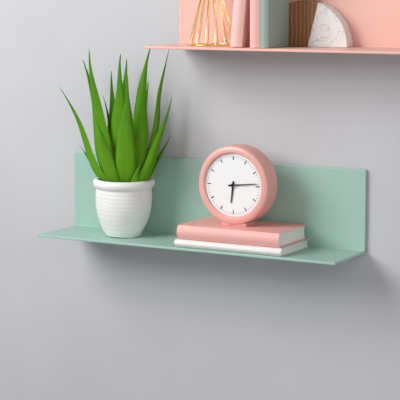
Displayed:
6,14
